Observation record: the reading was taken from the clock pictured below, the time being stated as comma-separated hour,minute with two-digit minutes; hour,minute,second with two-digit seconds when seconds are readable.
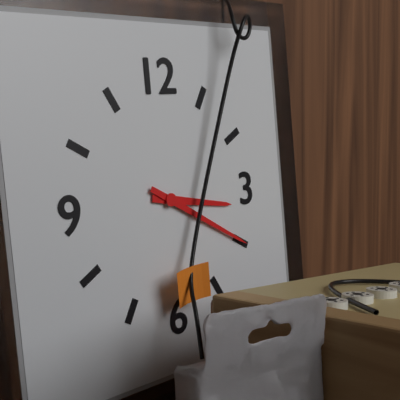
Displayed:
3,20
